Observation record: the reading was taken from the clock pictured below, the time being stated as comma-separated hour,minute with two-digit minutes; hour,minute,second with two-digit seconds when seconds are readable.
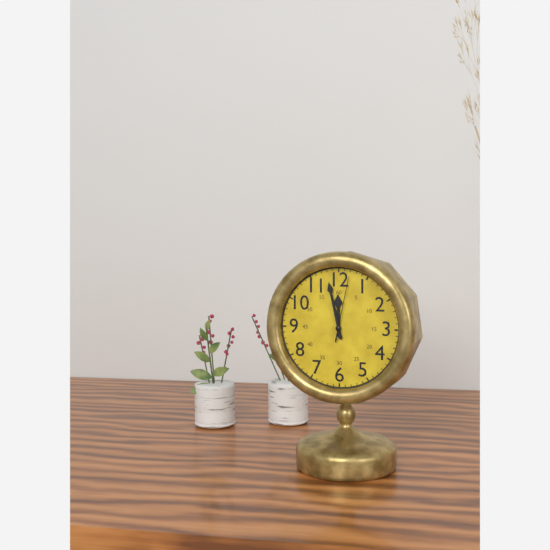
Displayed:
11,58,02
